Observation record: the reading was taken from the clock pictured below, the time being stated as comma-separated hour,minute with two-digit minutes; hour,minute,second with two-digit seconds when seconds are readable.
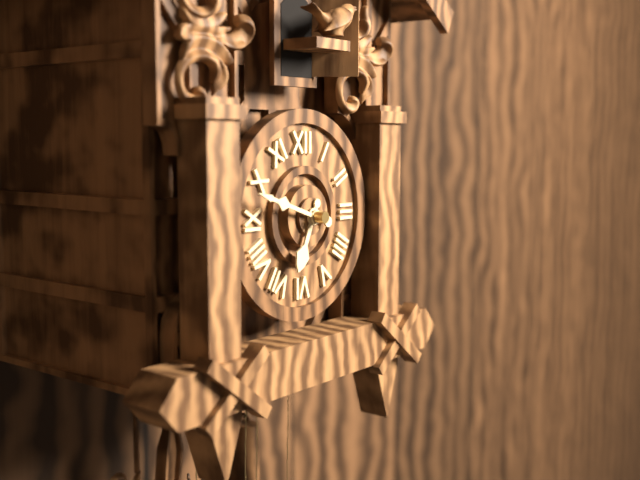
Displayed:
6,48
